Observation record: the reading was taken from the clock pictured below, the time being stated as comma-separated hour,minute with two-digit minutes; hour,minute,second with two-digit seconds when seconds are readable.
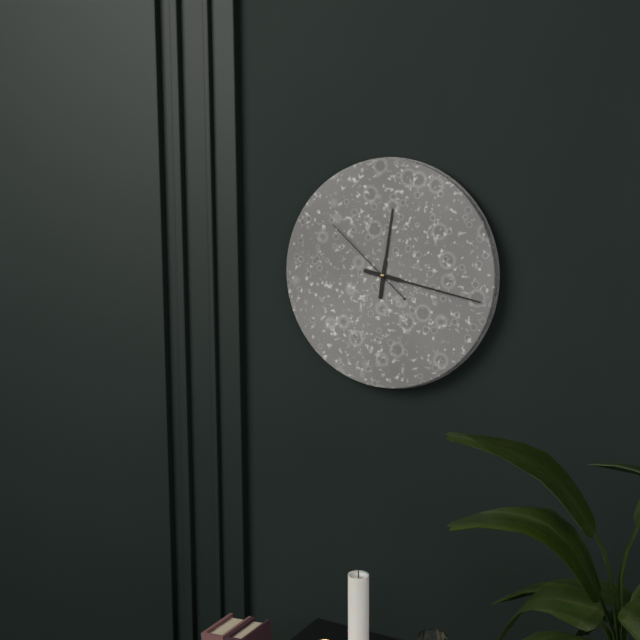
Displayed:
12,17,52
